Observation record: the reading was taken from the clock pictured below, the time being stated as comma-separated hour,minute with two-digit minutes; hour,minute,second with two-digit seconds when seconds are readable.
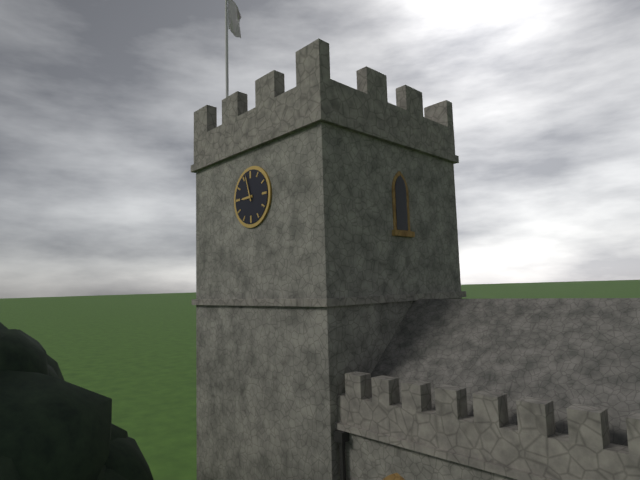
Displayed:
8,57
